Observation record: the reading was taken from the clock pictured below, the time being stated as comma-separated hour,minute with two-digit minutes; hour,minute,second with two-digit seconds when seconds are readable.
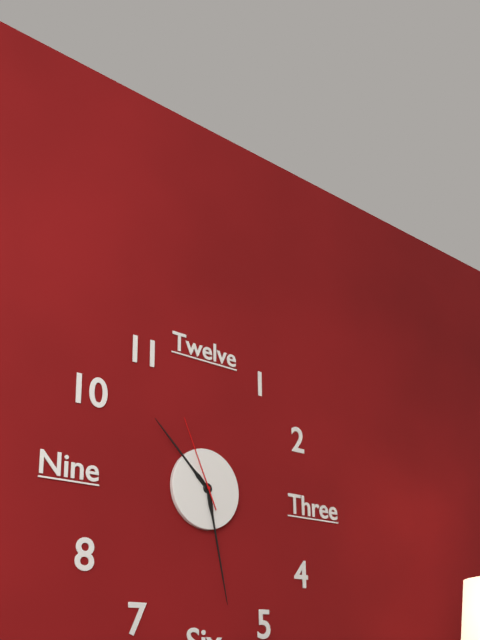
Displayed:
10,28,56
